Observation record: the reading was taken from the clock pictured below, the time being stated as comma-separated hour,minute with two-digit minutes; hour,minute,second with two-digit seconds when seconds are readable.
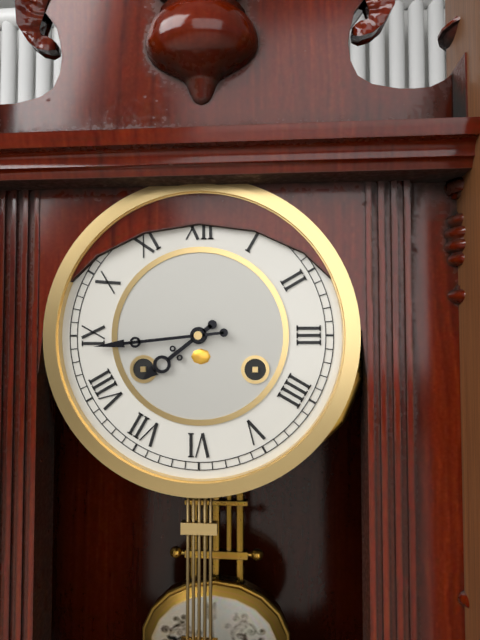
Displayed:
7,44
